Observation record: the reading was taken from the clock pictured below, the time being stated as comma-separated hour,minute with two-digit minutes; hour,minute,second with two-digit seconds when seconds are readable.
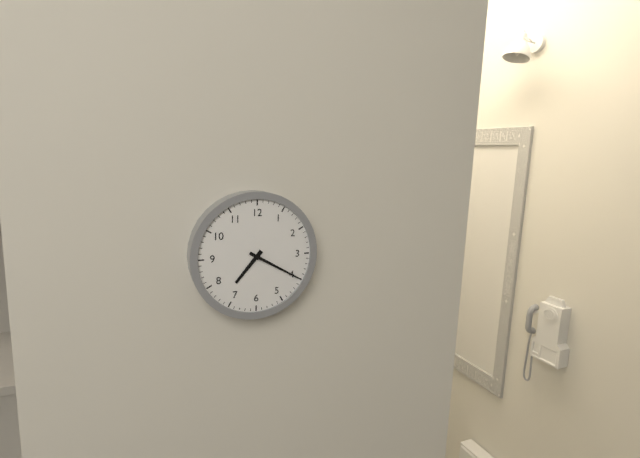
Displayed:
7,20
